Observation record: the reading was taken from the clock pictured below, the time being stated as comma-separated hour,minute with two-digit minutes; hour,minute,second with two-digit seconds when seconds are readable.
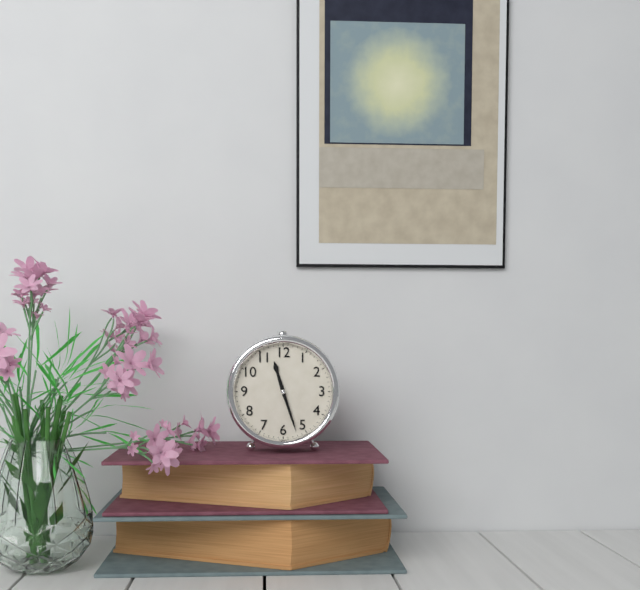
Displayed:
11,27
